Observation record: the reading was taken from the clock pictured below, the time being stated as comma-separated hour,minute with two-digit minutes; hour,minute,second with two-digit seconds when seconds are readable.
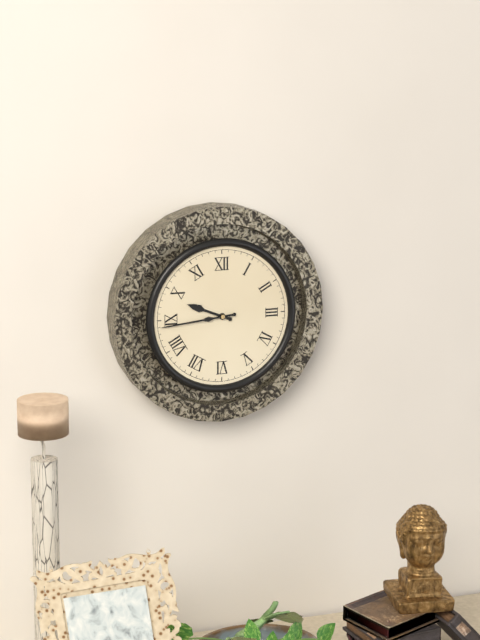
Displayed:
9,44
